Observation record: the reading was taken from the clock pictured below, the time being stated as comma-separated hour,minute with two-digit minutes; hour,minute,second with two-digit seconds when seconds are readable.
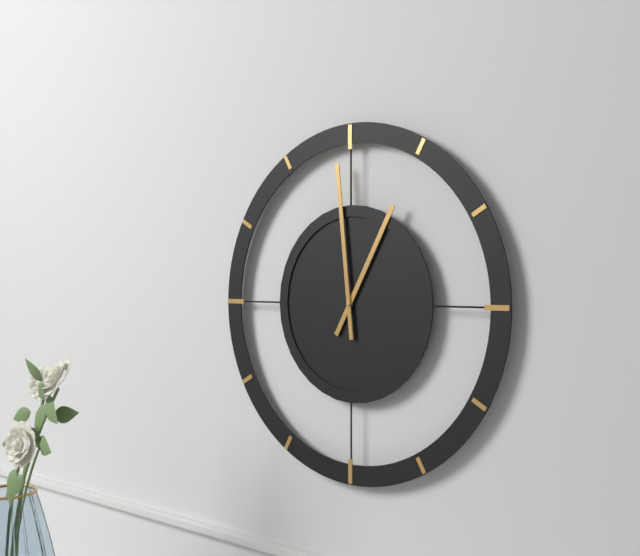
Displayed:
12,59
